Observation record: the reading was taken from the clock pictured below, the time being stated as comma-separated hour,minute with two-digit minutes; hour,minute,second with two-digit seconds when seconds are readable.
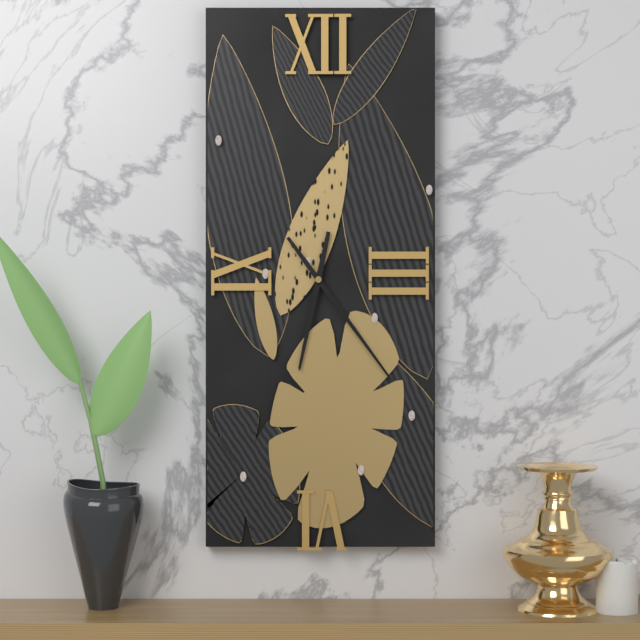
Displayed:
6,24
